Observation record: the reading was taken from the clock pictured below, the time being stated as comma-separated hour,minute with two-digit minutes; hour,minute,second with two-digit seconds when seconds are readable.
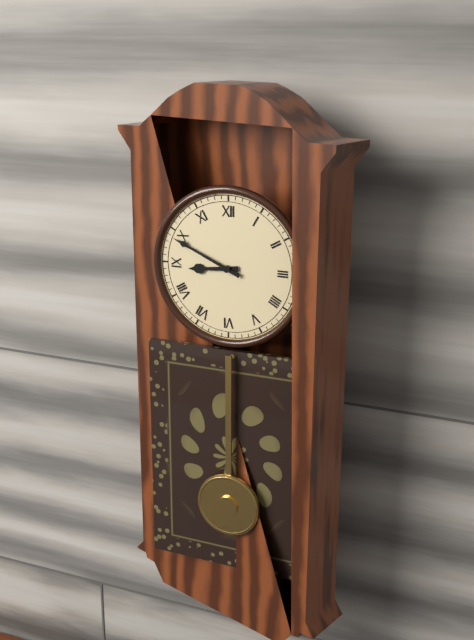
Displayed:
8,49
